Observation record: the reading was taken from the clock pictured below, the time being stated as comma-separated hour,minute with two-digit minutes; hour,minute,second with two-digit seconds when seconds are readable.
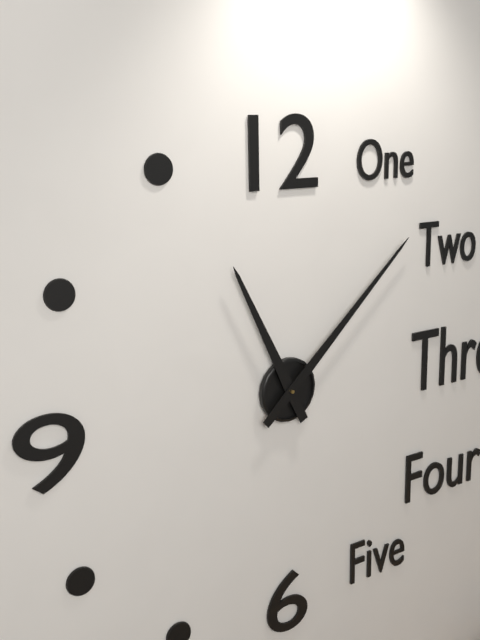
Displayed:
11,08
